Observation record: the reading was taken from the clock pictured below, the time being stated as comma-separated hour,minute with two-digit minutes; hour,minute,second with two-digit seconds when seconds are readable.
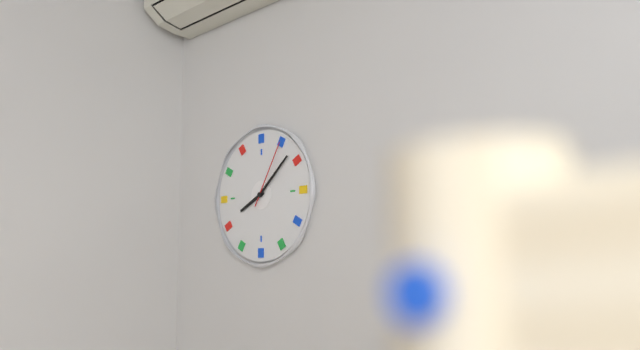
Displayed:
8,08,05
